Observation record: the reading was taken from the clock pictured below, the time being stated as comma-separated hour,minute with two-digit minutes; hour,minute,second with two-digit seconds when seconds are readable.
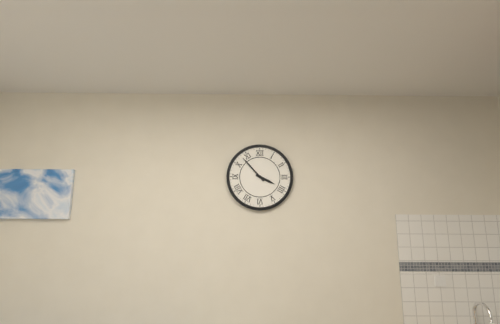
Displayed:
3,53
